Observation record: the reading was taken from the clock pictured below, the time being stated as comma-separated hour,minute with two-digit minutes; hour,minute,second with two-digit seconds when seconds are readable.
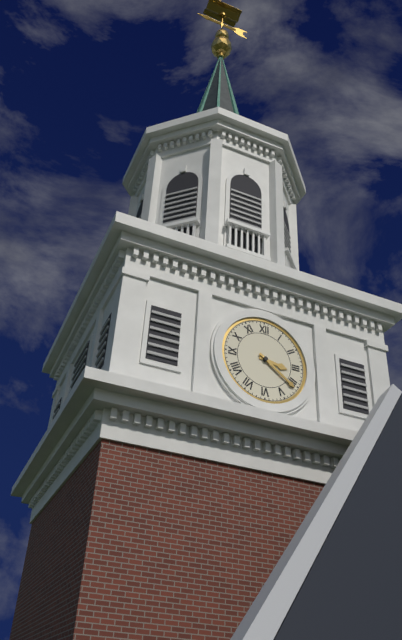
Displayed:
3,21
